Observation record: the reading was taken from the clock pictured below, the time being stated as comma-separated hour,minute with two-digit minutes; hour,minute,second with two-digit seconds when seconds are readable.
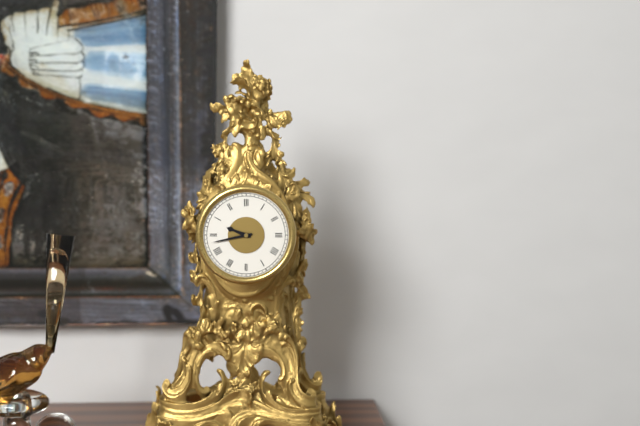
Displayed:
9,43
